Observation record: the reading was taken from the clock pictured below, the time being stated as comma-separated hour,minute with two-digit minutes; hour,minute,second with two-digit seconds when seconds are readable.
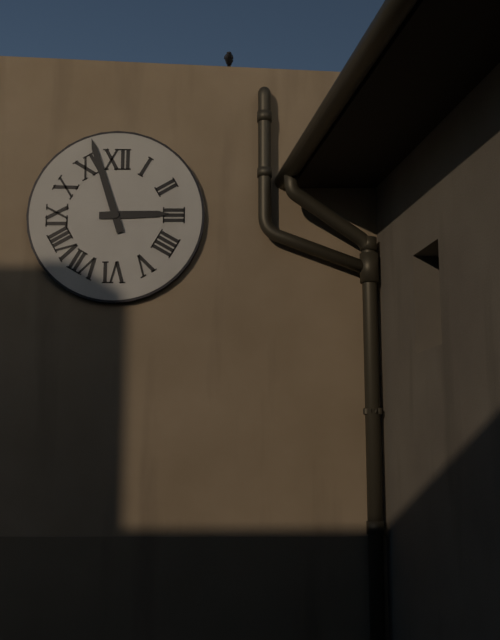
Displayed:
2,57
